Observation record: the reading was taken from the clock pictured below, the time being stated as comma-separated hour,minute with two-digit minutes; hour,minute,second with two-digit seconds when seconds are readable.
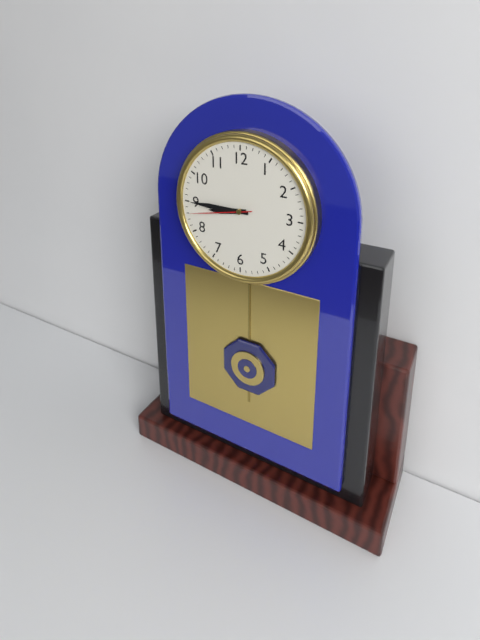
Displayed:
8,45,43
